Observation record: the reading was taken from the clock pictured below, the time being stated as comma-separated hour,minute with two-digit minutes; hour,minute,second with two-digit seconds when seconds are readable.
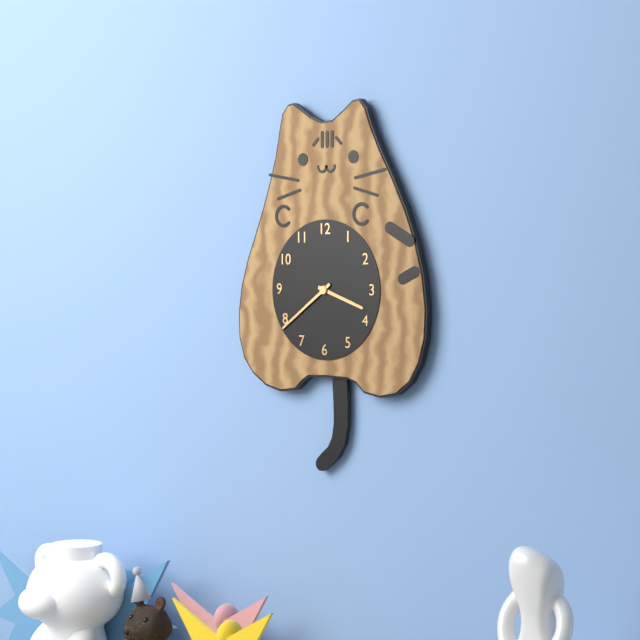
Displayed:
3,39
